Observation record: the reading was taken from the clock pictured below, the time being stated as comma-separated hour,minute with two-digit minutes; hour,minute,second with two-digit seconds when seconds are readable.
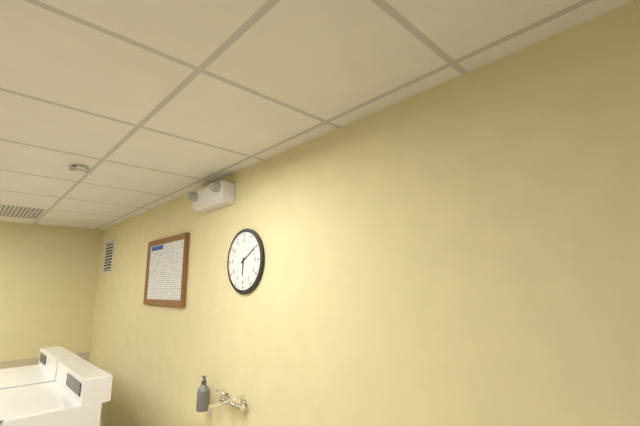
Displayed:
6,10
